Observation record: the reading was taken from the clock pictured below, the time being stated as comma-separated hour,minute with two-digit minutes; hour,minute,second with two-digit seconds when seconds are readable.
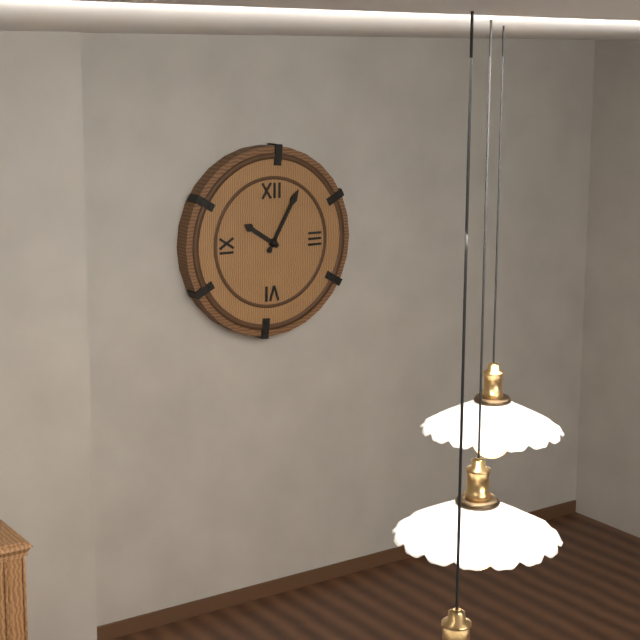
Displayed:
10,05
